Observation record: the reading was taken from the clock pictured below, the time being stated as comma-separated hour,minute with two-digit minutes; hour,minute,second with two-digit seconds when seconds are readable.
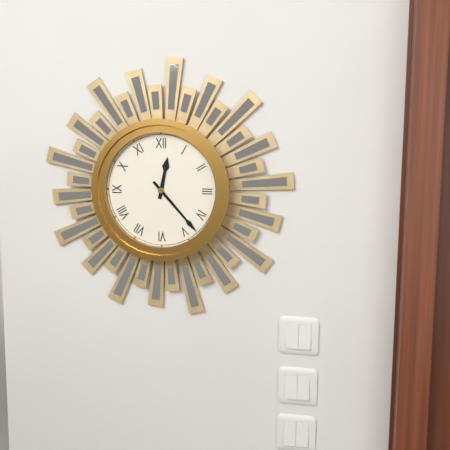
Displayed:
12,23
